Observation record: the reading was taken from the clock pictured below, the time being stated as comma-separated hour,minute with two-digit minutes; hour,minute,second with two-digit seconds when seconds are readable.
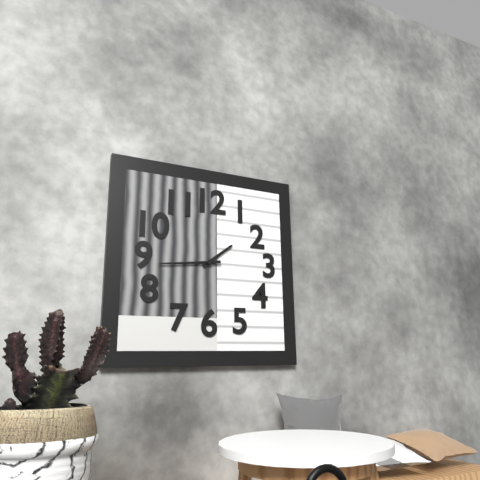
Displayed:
1,44
